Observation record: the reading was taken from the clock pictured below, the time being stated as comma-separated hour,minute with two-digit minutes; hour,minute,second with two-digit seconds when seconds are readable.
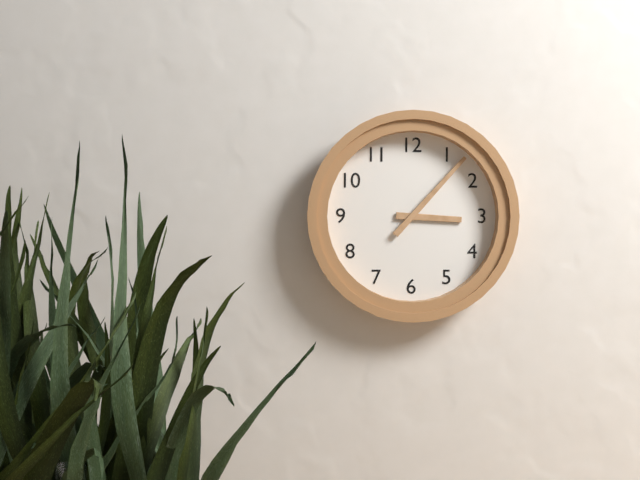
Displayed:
3,07
